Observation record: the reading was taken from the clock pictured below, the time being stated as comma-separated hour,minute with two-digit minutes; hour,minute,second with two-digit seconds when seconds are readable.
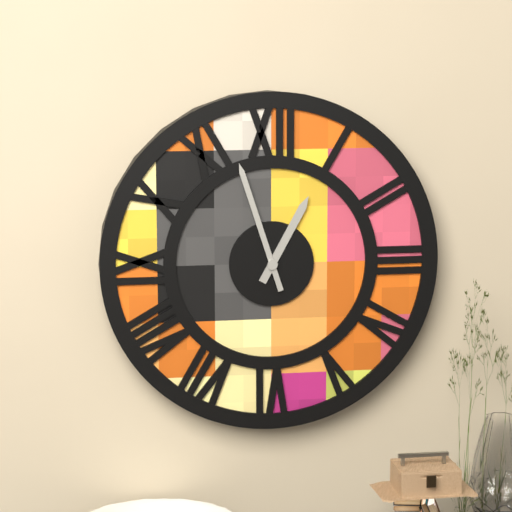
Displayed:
12,57
